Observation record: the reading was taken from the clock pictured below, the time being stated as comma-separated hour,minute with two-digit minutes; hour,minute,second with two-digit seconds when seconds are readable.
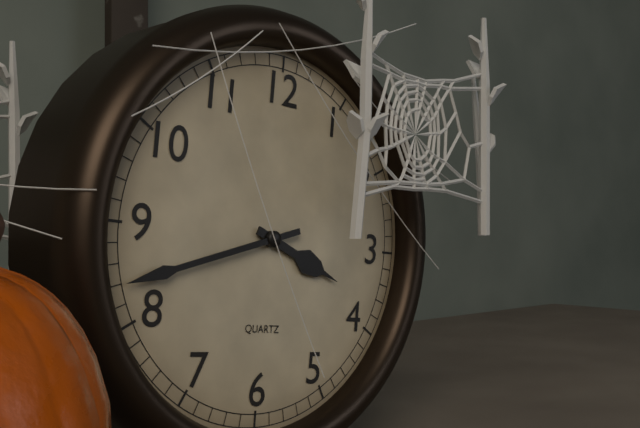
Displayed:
3,42
